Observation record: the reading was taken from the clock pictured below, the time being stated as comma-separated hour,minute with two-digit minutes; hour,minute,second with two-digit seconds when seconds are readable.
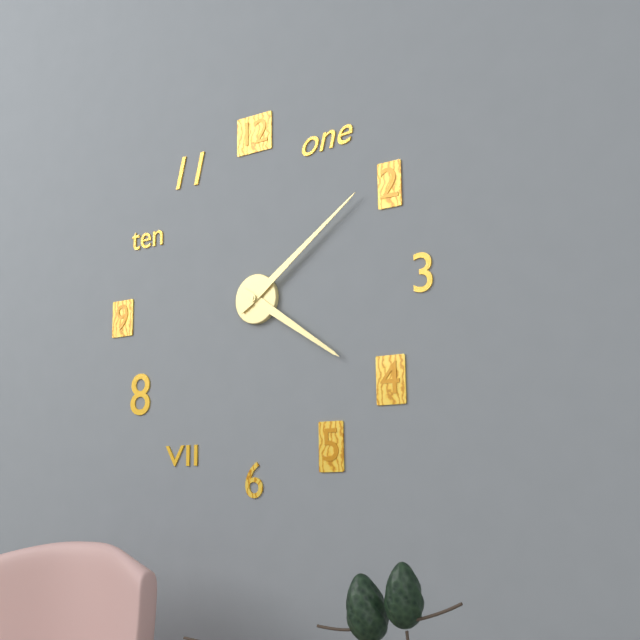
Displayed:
4,09
